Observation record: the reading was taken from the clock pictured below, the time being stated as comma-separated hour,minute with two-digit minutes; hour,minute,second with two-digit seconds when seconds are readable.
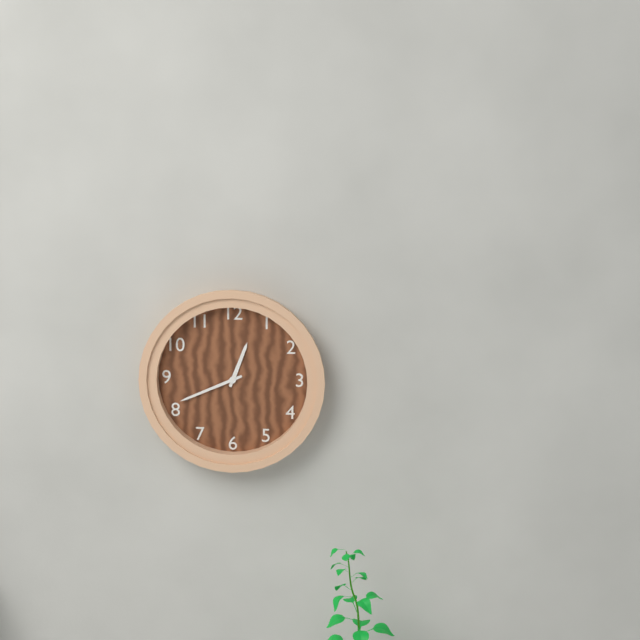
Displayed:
12,41
